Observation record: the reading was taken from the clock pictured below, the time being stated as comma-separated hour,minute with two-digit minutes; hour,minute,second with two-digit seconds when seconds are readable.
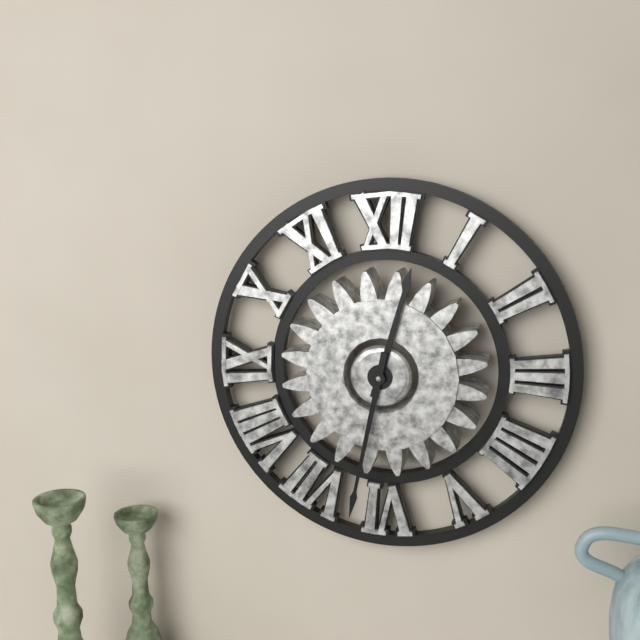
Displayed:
12,32
